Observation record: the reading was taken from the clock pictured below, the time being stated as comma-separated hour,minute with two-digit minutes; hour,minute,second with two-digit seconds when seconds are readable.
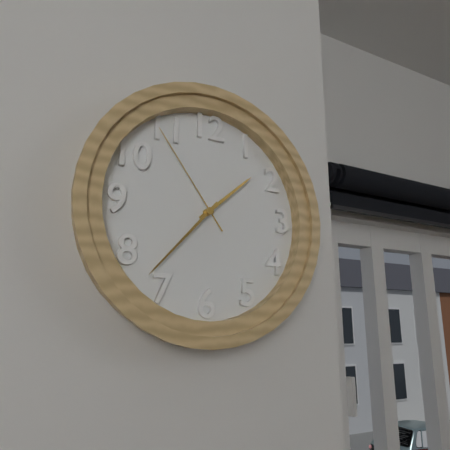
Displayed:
1,37,54
